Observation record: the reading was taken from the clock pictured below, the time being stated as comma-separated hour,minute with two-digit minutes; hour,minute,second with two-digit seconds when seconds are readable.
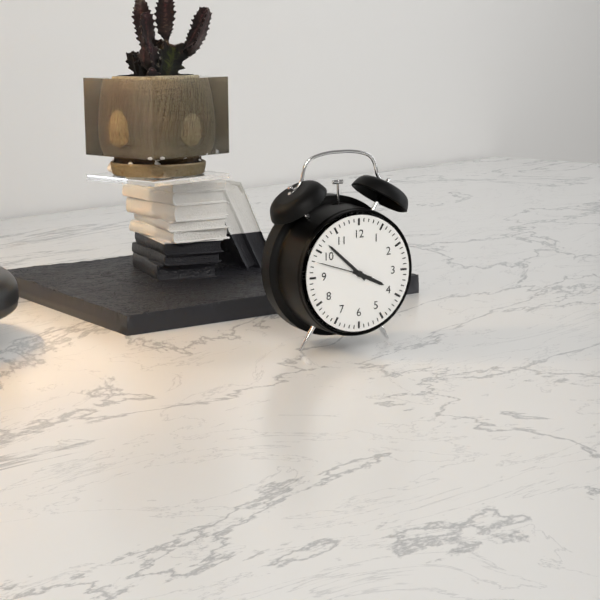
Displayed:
3,52,48
